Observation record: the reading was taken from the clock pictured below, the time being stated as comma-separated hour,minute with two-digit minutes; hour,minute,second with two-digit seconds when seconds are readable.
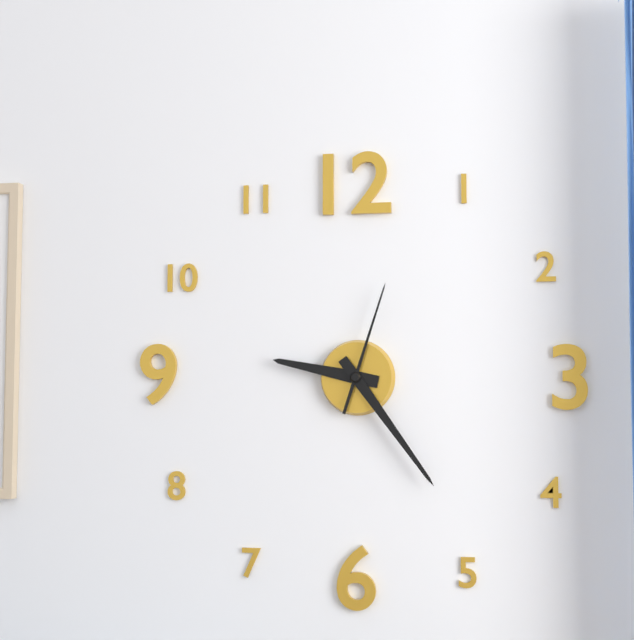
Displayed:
9,24,03
